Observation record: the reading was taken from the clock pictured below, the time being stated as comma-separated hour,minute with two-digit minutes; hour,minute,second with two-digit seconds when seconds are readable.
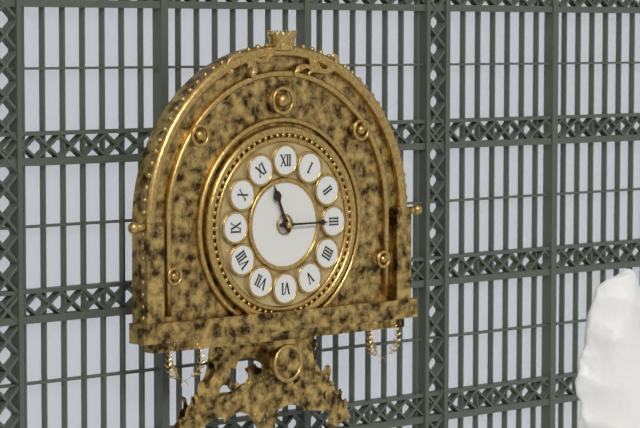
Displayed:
11,15
